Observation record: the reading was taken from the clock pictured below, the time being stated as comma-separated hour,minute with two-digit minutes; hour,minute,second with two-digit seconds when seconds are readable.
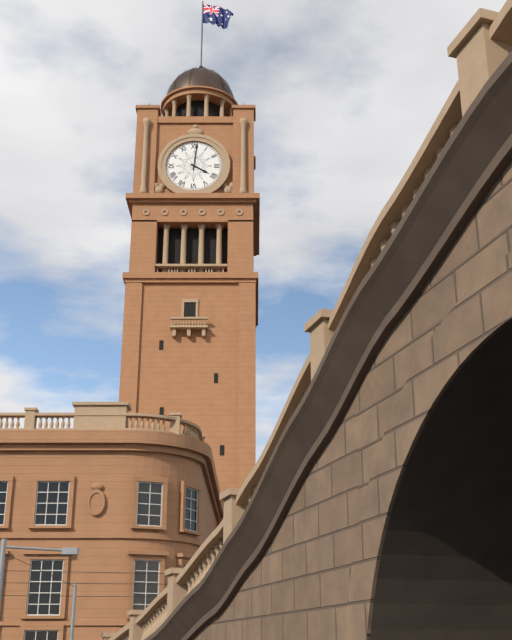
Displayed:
4,01
